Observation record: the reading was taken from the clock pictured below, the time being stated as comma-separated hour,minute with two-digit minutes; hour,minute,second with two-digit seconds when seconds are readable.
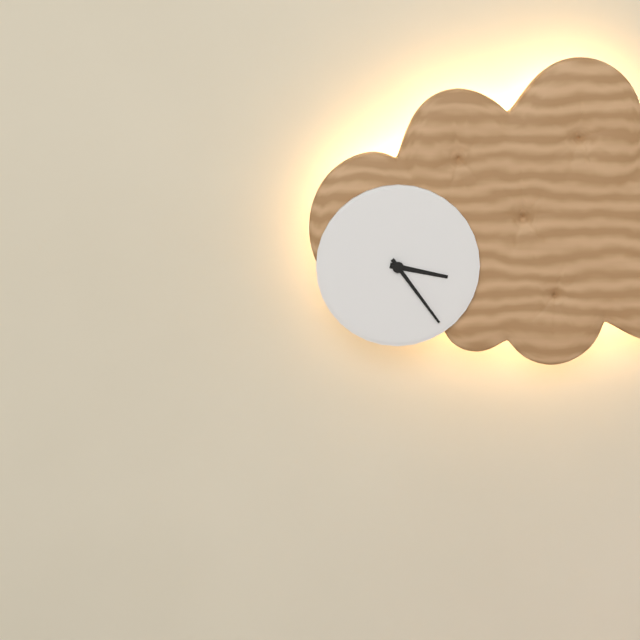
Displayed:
3,24
